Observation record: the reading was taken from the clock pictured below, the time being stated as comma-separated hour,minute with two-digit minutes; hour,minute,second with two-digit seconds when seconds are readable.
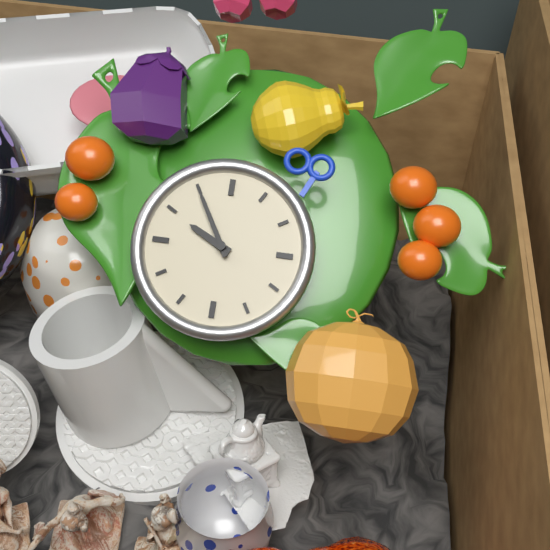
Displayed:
9,55
